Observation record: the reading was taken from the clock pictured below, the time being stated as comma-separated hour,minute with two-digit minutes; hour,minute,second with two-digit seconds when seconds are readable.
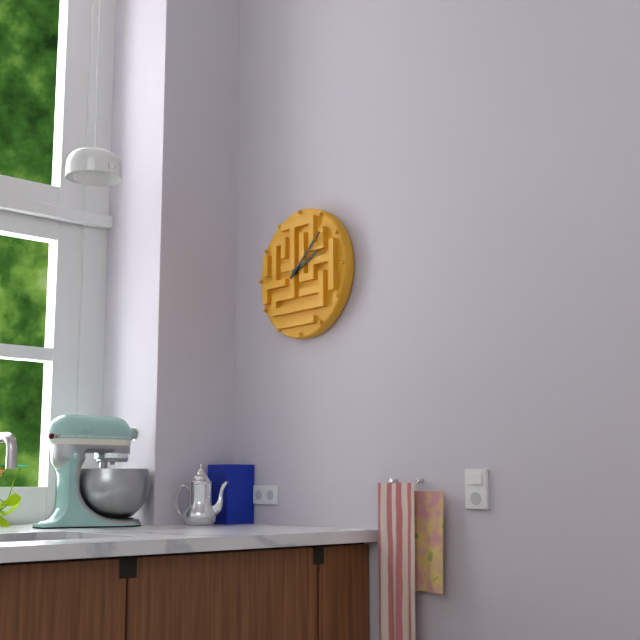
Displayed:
2,08
